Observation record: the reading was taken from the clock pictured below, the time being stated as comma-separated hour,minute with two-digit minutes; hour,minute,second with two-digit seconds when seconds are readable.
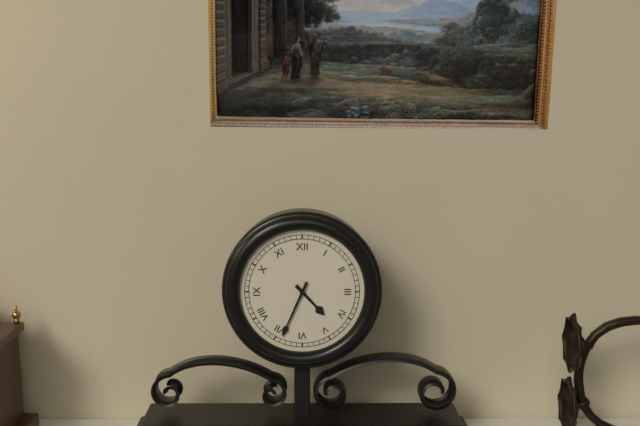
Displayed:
4,34
